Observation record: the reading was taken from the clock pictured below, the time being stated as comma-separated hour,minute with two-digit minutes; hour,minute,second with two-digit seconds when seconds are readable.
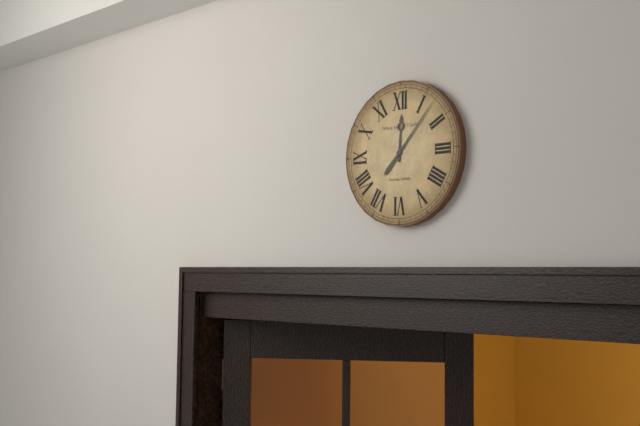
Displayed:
12,07
